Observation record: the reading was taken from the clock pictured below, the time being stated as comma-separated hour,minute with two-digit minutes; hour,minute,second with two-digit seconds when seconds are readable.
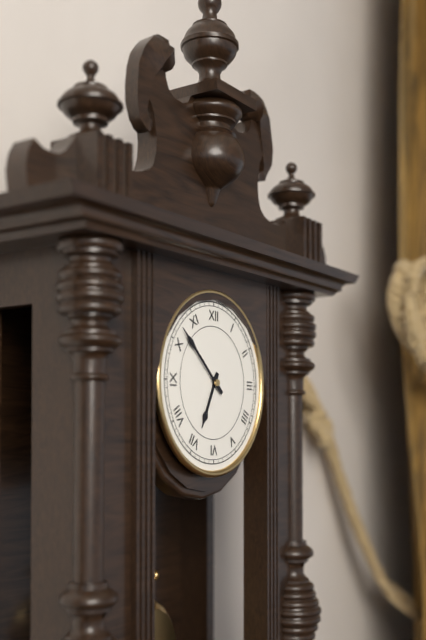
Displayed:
6,52
